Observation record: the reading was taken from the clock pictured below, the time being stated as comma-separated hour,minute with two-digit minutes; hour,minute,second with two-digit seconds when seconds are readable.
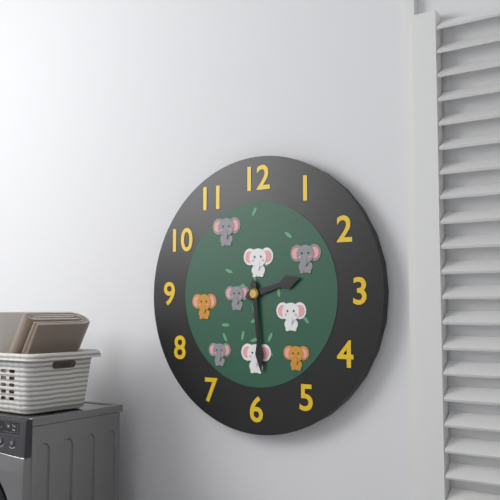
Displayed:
2,29
